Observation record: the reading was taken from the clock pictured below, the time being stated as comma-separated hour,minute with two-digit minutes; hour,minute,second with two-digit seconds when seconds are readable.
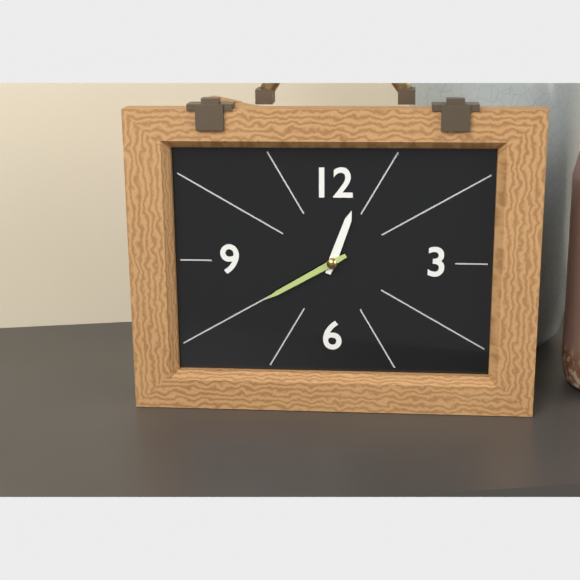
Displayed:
12,40
